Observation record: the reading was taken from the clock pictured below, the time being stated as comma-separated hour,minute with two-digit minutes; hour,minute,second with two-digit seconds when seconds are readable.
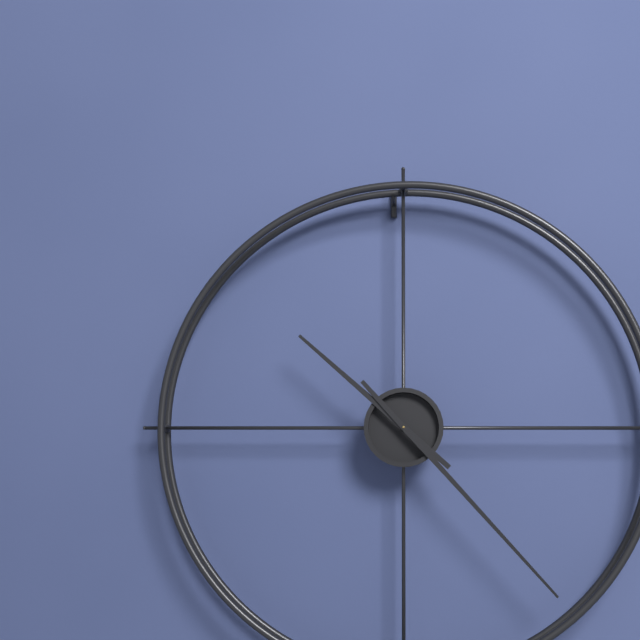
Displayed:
10,23
